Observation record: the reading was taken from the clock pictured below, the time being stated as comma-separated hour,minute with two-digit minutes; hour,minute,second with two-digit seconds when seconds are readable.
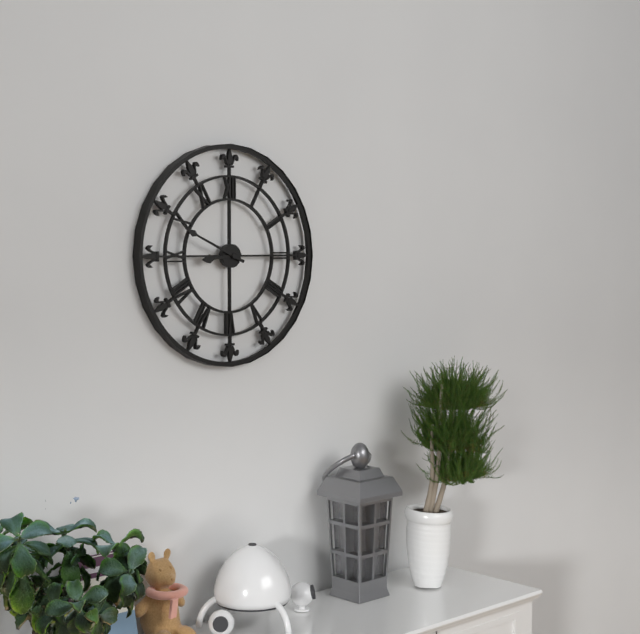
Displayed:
8,49
